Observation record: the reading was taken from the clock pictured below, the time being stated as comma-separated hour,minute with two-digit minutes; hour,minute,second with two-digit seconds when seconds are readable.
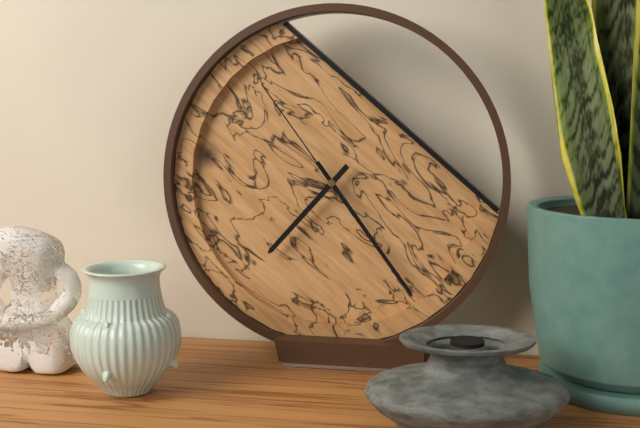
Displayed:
7,24,54
